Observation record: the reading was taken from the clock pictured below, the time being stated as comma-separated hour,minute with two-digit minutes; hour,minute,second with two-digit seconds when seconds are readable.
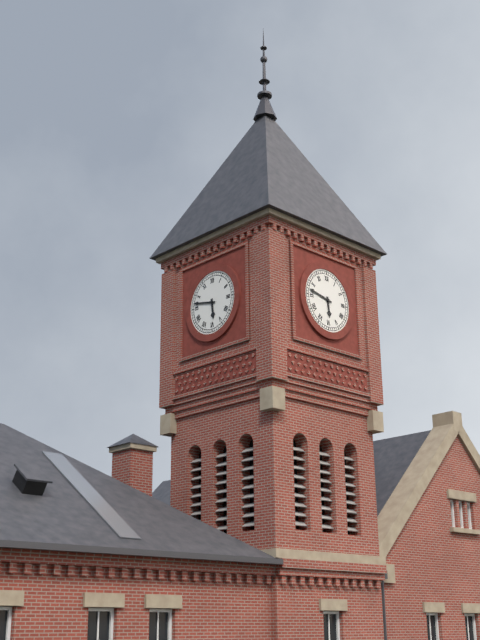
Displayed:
5,47
